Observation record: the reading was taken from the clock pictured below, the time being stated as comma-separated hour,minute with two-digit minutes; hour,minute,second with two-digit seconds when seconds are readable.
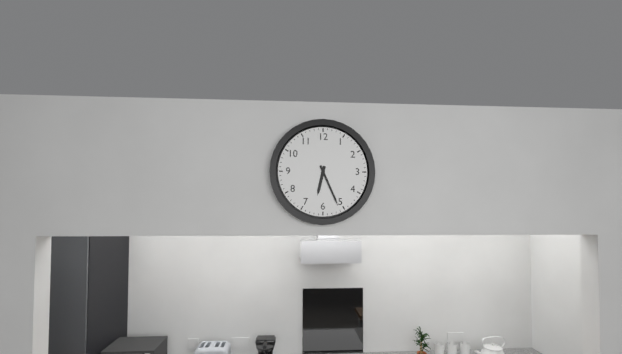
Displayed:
6,26
